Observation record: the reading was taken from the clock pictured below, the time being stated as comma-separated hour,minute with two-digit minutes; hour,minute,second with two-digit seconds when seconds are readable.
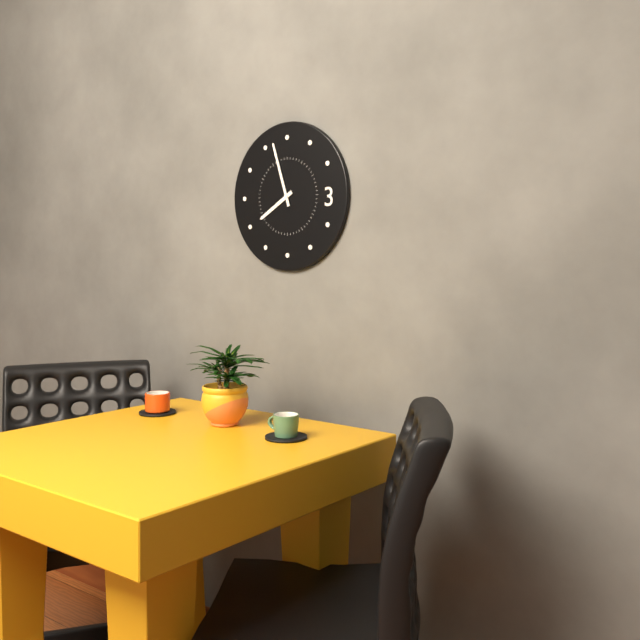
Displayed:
7,57
